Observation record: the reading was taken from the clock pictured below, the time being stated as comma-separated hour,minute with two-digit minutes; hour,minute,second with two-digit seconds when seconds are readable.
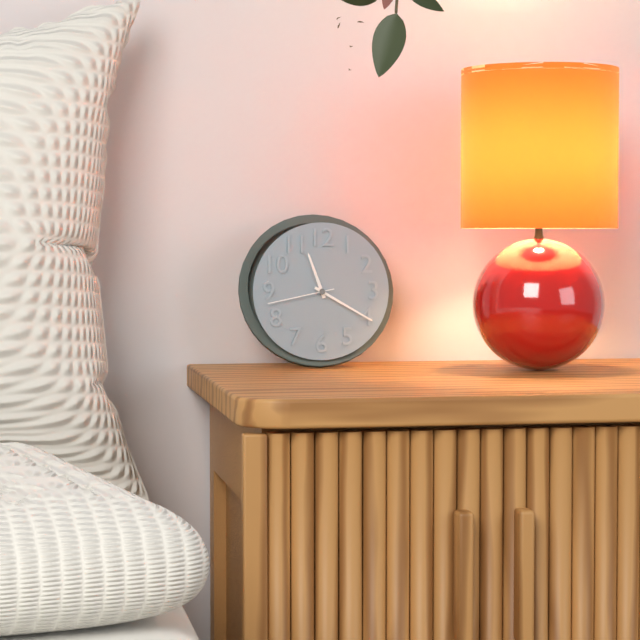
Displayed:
11,20,43
